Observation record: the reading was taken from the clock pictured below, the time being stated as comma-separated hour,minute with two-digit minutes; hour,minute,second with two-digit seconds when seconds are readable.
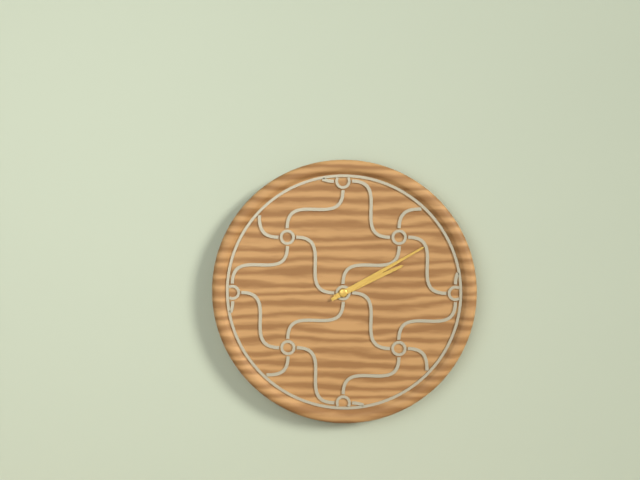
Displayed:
2,10
